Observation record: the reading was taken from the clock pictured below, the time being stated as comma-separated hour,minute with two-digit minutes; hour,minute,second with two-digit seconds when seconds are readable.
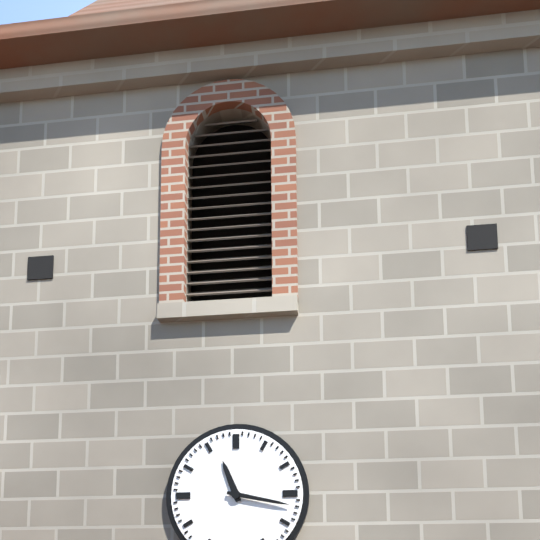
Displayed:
11,17
